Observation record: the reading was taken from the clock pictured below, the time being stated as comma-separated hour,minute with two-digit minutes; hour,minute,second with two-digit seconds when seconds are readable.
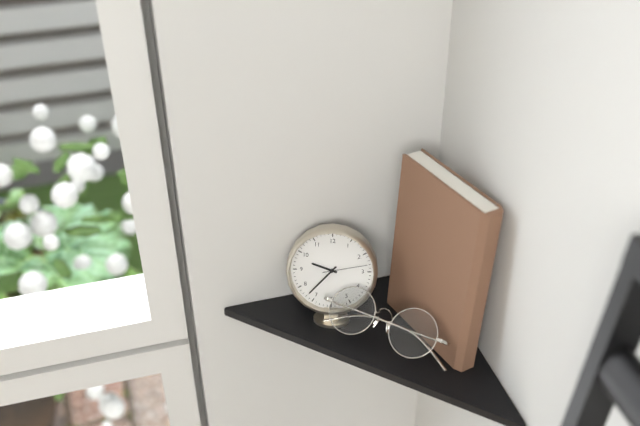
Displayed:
9,37
